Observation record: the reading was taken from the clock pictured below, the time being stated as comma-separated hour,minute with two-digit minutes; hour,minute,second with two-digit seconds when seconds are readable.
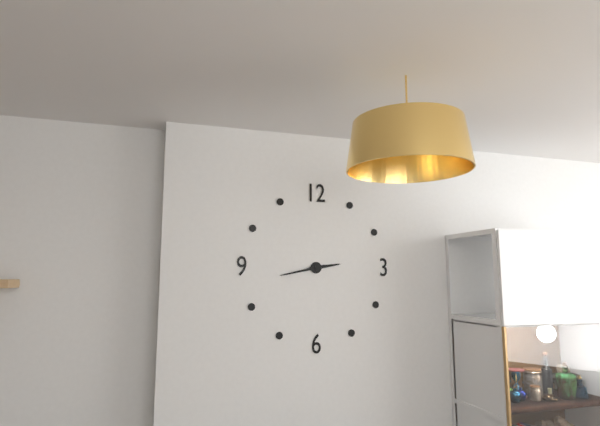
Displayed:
2,43
